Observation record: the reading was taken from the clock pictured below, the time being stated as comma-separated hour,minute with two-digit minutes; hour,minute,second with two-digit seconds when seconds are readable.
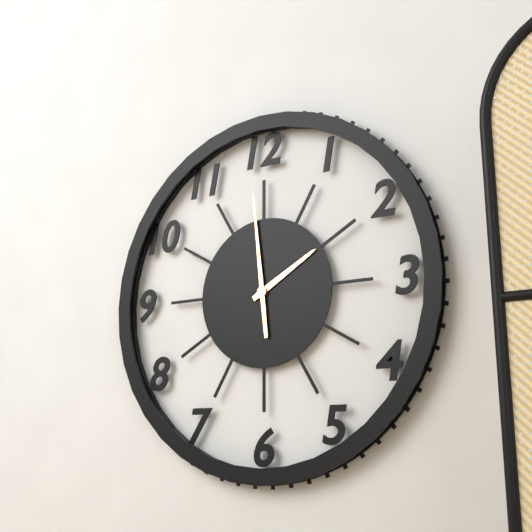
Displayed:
1,59
